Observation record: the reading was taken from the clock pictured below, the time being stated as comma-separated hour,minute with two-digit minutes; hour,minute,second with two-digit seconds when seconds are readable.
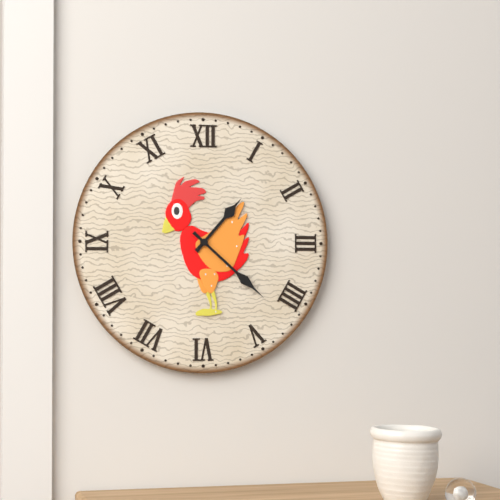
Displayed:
1,22
